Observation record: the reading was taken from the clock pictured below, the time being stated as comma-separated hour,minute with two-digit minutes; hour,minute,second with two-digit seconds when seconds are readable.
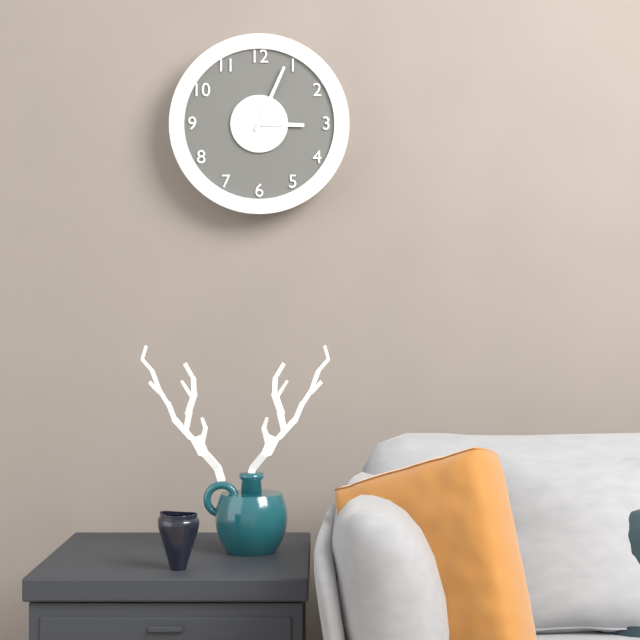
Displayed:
3,04
